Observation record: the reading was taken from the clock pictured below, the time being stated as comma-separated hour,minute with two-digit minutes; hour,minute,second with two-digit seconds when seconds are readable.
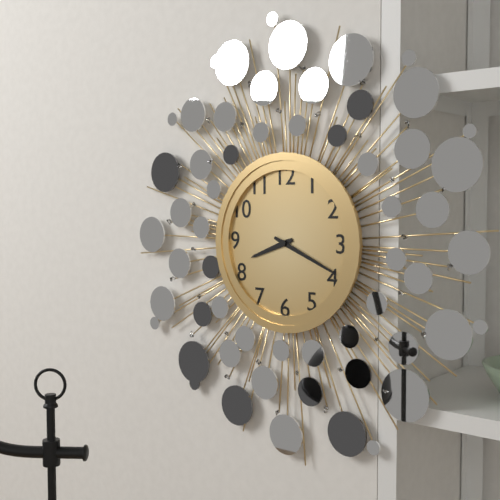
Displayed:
8,19
